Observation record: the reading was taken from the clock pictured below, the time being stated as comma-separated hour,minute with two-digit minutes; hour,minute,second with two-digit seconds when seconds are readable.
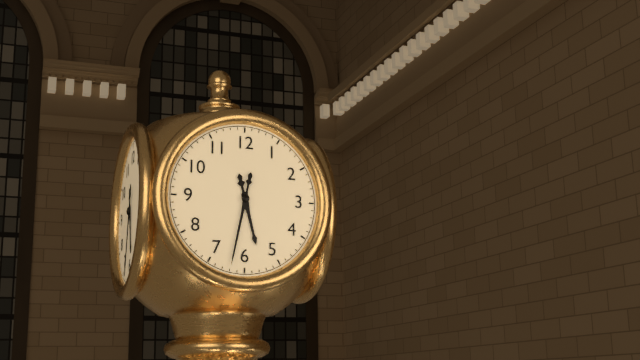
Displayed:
5,32
